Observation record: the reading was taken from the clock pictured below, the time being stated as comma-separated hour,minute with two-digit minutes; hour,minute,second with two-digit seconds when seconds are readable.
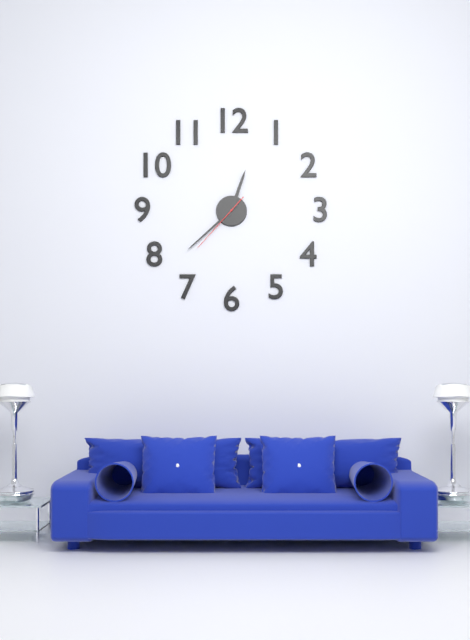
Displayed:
12,38,37
